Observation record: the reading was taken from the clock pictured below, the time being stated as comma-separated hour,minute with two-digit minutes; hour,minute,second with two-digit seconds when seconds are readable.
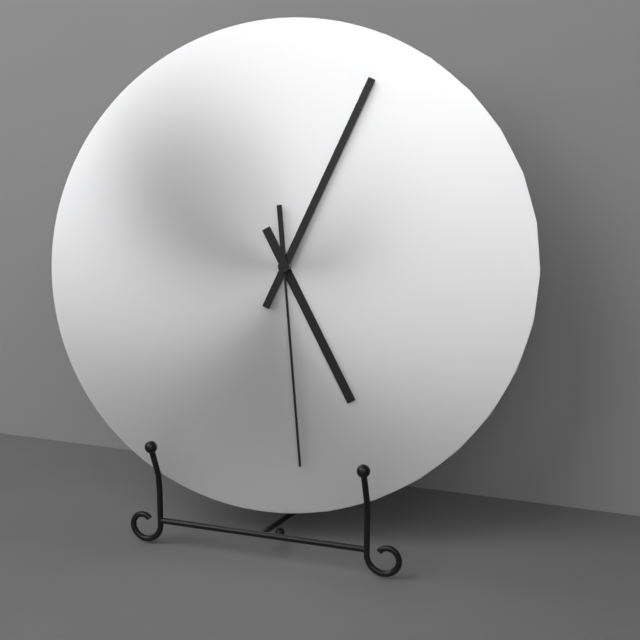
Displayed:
5,04,29
